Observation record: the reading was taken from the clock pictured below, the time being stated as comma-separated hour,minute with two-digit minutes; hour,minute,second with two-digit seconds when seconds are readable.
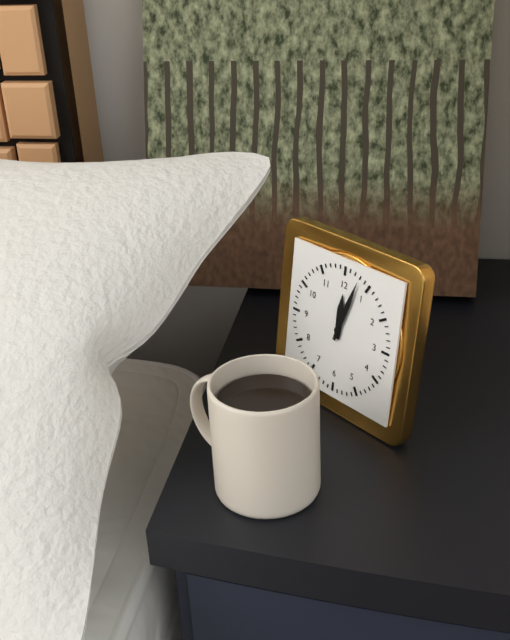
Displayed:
12,03
